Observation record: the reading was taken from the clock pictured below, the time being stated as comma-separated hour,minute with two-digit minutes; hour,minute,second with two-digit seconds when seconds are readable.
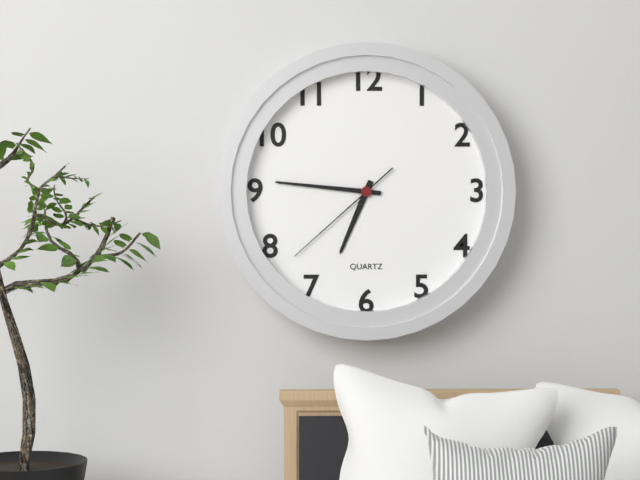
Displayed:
6,46,38
